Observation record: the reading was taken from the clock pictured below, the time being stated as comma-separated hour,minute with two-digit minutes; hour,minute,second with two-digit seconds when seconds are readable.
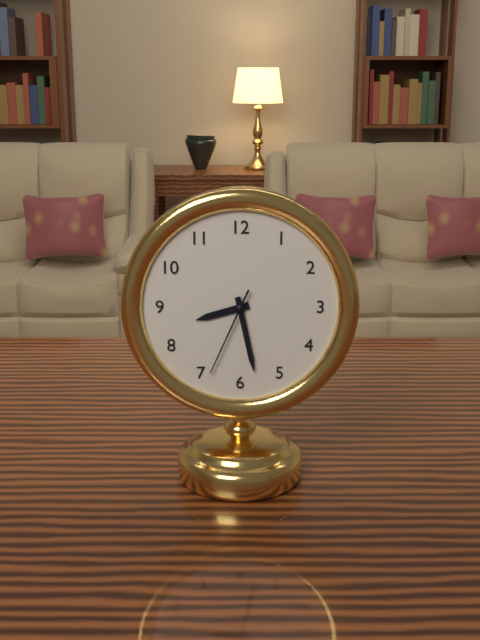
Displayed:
8,28,34
